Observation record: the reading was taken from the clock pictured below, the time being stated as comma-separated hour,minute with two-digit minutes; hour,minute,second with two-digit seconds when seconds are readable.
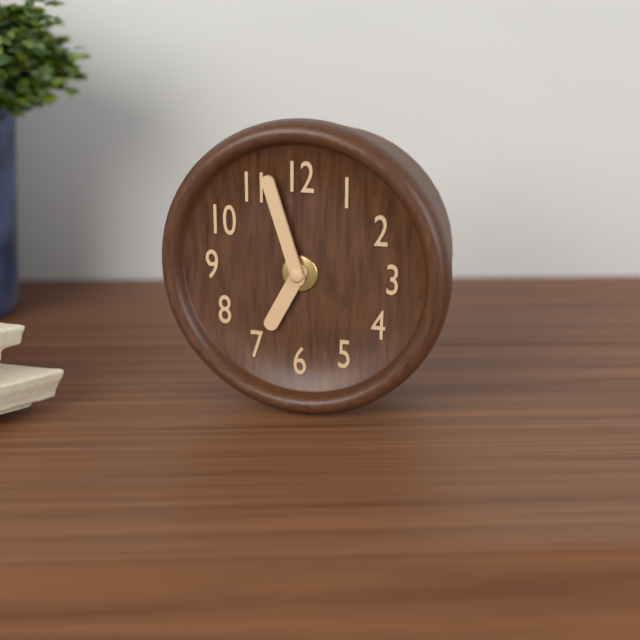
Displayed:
6,57
